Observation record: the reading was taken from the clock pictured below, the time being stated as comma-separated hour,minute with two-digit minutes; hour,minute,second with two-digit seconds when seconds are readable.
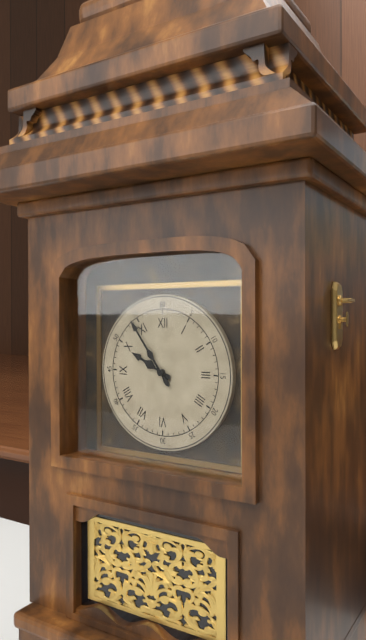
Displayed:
9,54
